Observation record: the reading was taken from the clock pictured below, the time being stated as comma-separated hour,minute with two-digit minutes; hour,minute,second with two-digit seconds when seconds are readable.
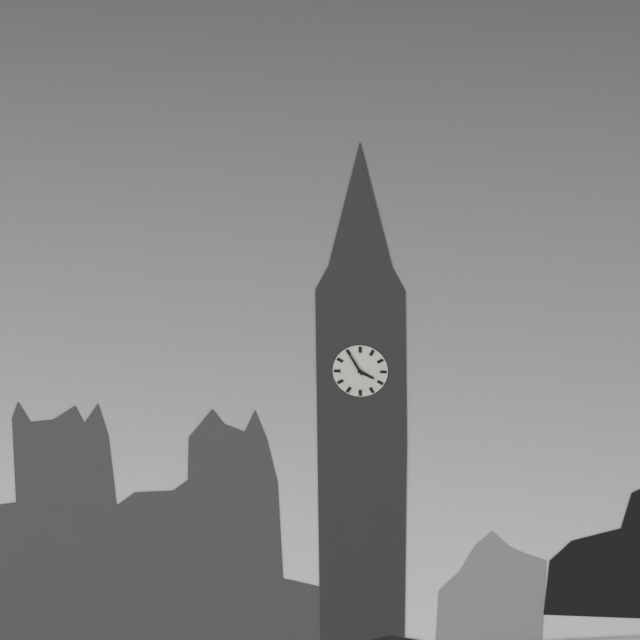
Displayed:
3,55
